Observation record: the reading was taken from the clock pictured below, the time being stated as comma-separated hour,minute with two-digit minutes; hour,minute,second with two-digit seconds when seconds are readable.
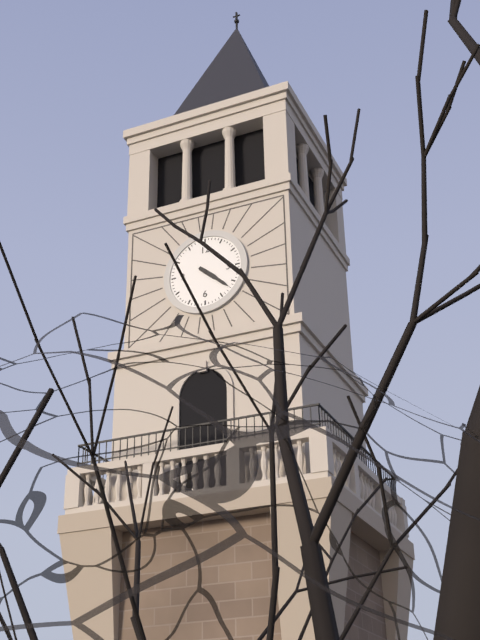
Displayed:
4,22
